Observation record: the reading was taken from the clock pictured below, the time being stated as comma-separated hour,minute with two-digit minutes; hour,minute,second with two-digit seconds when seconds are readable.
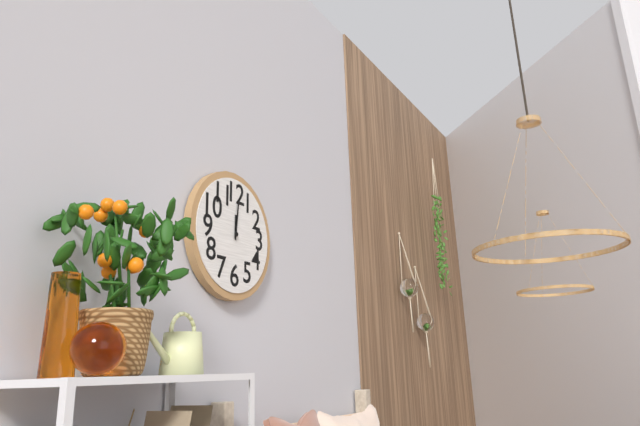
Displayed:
12,01
